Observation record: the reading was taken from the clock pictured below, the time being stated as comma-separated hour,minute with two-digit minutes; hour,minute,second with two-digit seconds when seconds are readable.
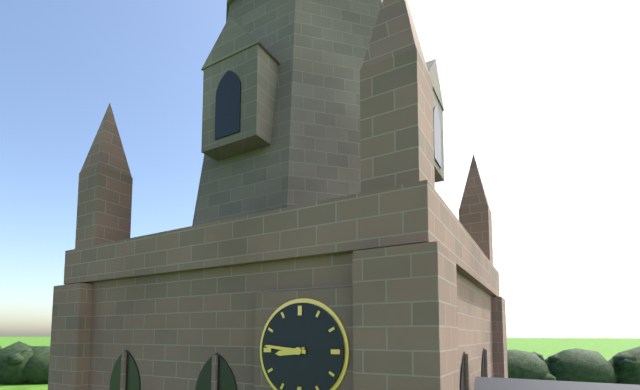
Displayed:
8,46
